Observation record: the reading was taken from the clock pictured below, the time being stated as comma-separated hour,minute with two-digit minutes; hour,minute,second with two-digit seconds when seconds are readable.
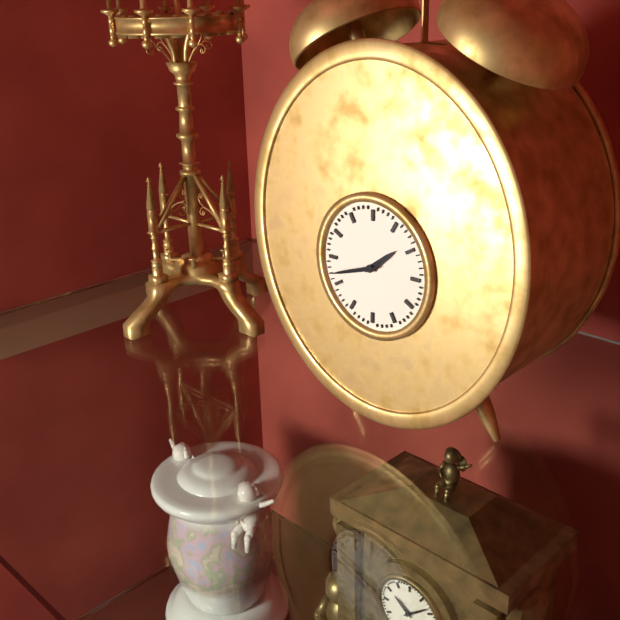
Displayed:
1,42
